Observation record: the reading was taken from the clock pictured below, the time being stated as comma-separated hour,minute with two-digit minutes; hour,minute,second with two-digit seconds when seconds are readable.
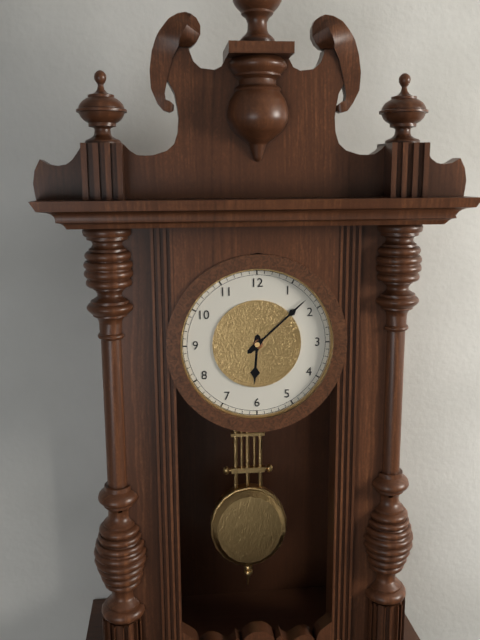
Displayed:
6,08
